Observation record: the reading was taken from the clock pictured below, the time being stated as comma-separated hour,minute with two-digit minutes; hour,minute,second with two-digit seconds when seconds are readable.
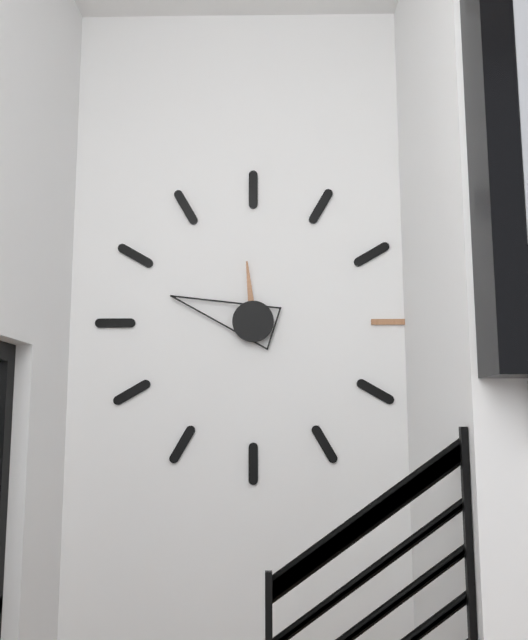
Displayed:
11,48
